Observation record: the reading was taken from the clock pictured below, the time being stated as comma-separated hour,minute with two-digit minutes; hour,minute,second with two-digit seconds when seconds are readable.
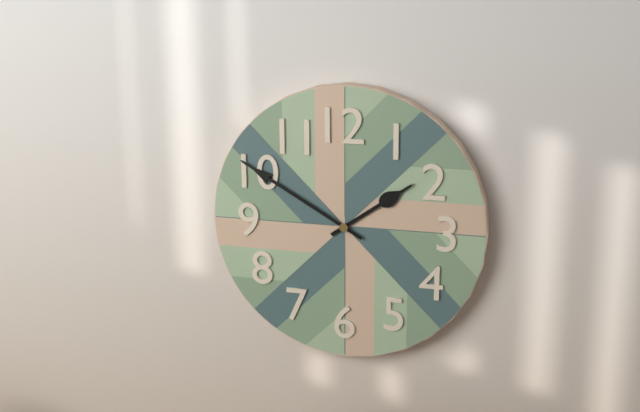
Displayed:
1,50
